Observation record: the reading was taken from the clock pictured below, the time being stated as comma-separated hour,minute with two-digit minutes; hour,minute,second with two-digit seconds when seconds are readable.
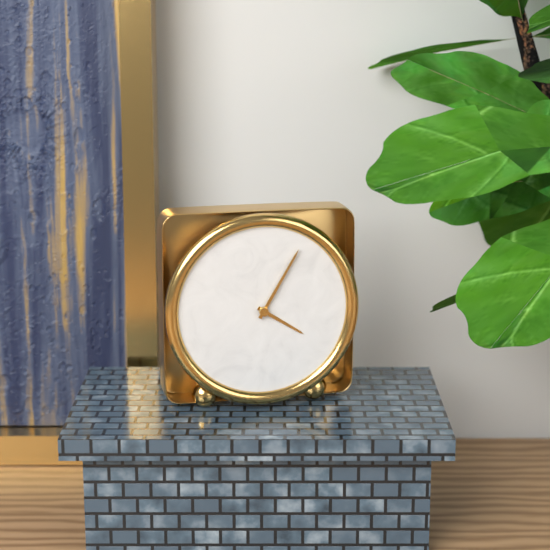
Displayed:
4,05
